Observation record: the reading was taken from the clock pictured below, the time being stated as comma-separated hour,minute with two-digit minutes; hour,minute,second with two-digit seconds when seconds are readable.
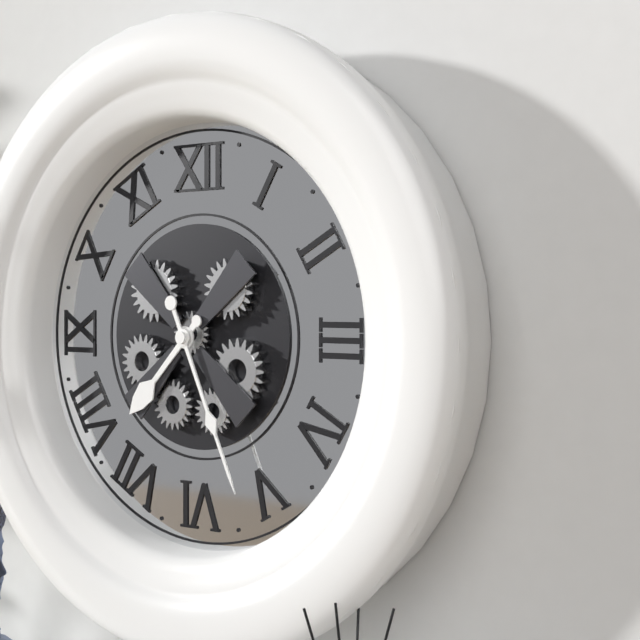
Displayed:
7,26
